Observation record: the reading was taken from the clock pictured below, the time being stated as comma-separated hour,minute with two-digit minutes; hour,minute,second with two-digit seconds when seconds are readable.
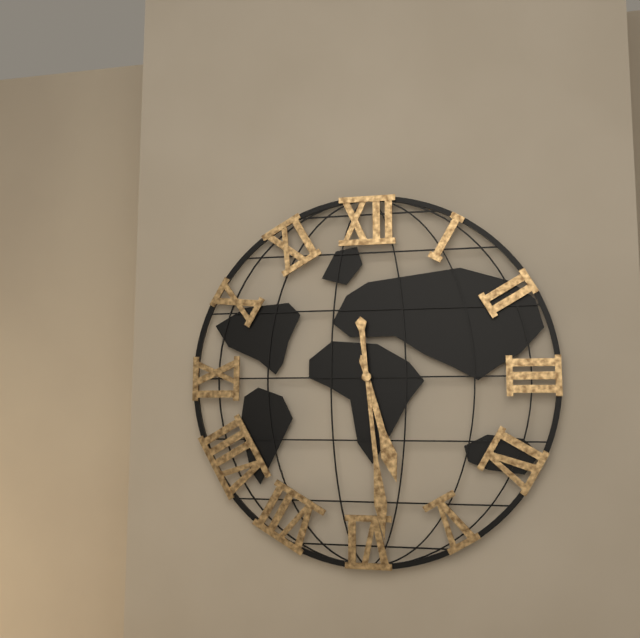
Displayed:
5,29
